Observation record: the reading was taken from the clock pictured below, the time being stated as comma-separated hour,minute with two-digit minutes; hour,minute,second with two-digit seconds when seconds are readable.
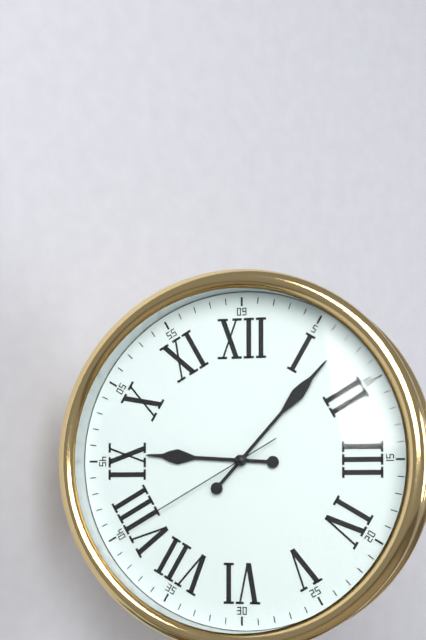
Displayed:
9,07,40
